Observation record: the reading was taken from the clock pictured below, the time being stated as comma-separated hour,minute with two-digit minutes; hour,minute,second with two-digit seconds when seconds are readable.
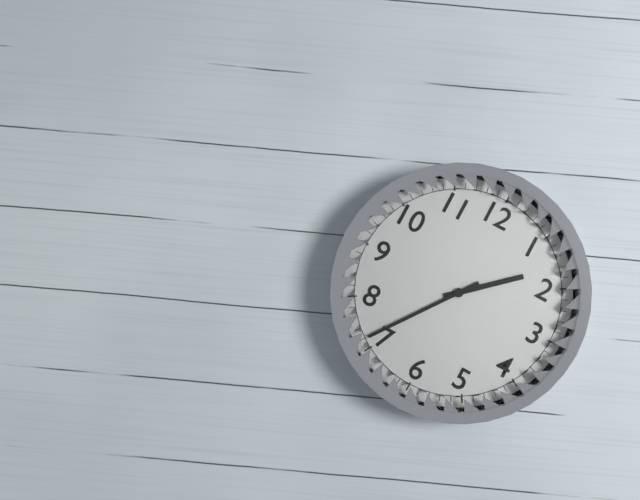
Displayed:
1,36
